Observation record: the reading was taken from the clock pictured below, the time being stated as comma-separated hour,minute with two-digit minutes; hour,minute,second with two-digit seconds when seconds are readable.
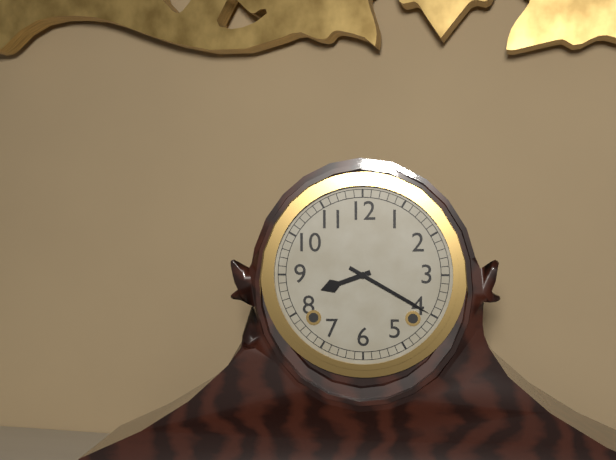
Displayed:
8,20
